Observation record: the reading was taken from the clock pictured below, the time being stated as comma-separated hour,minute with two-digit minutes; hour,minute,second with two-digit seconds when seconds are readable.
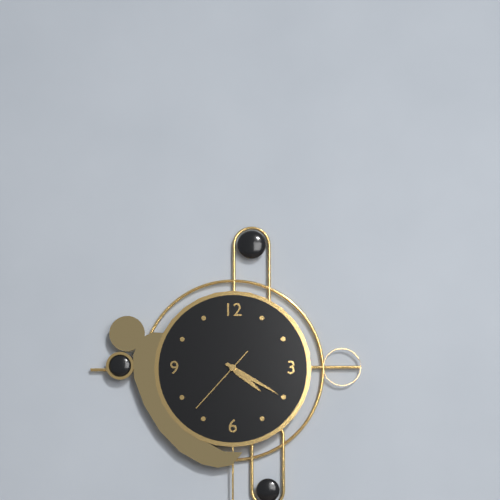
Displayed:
4,20,37
